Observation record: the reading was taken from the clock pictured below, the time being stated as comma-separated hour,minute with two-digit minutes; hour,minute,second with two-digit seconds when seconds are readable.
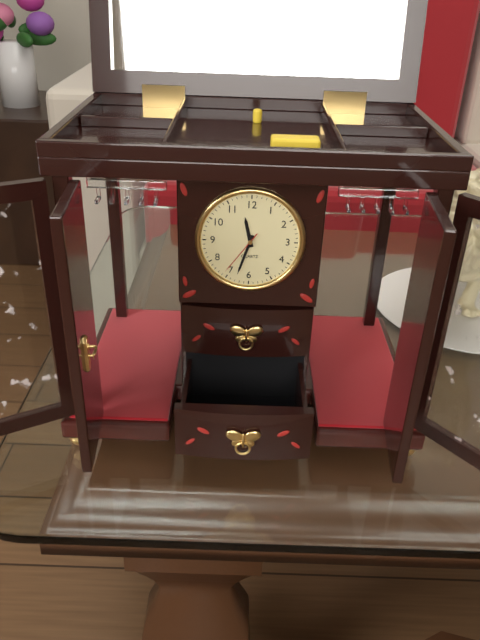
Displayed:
11,33
